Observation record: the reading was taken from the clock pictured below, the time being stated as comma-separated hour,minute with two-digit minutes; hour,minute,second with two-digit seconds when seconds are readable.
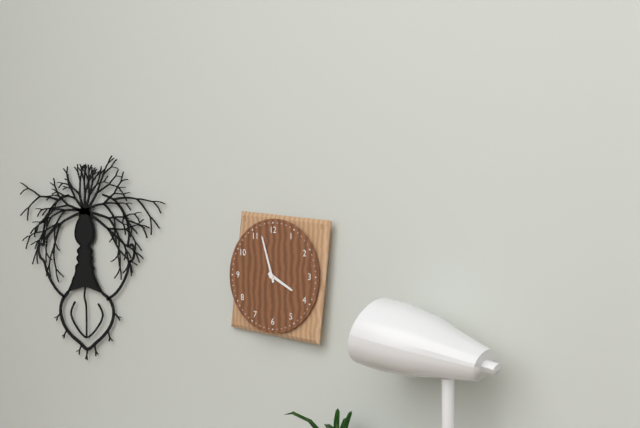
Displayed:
3,57
